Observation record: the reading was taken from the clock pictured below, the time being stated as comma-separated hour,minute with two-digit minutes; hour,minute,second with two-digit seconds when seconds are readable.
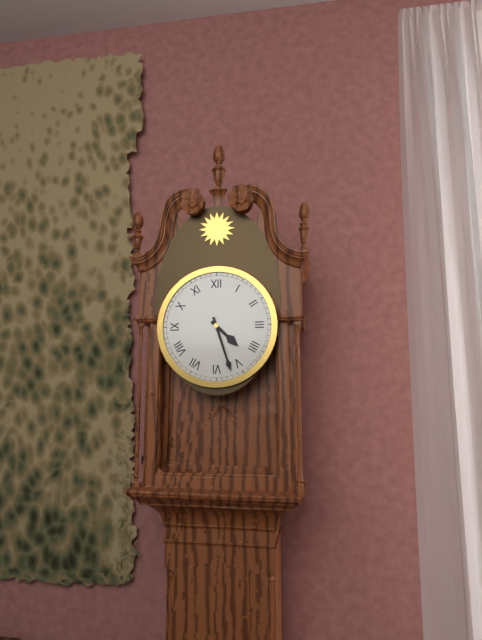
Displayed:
4,27
